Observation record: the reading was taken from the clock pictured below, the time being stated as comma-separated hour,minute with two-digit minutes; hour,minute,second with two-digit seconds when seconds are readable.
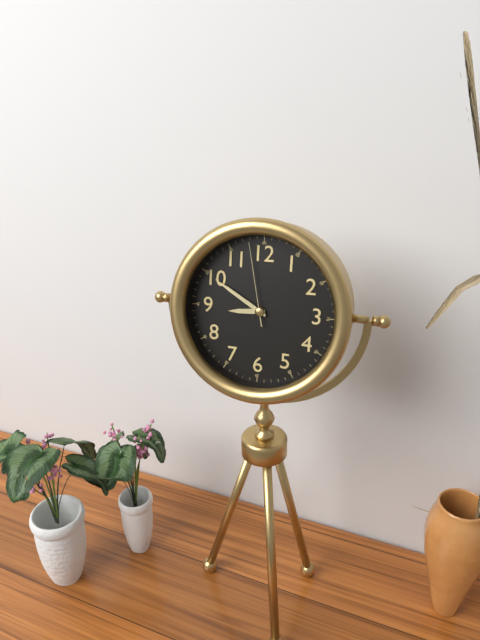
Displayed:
8,50,58
